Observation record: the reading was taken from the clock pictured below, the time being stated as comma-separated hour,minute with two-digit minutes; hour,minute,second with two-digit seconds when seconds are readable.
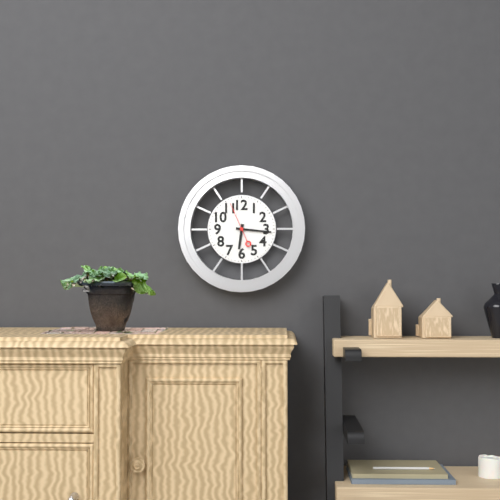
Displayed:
6,16
